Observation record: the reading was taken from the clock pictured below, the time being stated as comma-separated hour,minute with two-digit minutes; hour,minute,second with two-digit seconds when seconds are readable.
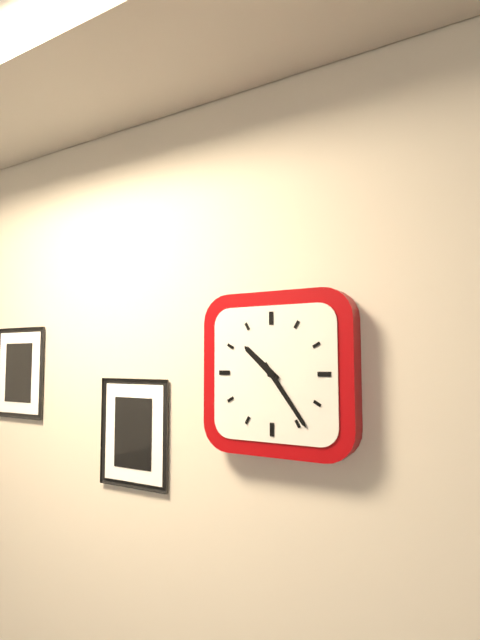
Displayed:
10,24
